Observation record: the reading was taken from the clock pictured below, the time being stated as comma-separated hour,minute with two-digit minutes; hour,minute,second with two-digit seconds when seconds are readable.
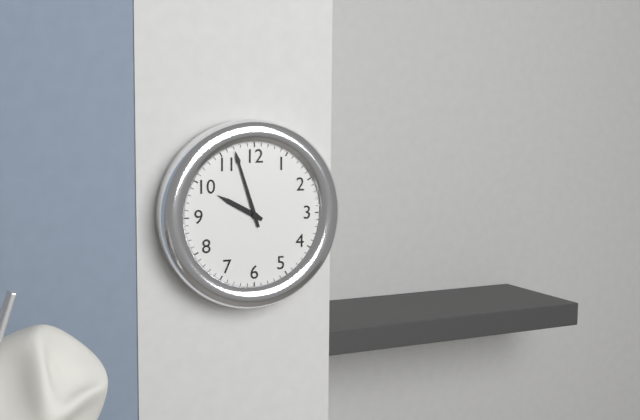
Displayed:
9,57
